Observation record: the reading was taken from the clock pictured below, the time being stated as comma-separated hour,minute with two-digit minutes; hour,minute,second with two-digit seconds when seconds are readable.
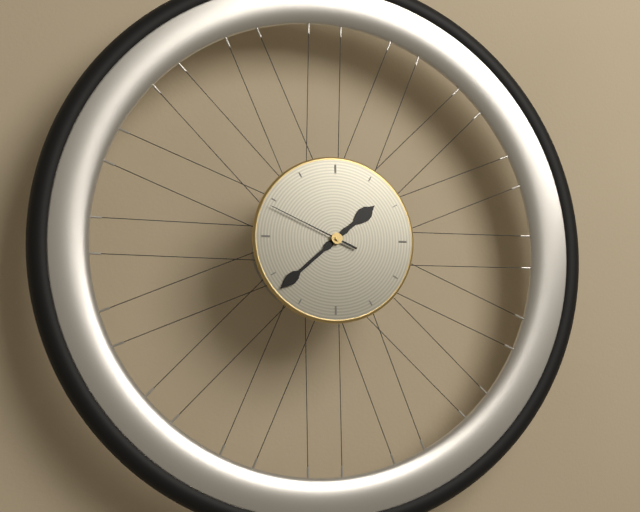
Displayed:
1,38,49
